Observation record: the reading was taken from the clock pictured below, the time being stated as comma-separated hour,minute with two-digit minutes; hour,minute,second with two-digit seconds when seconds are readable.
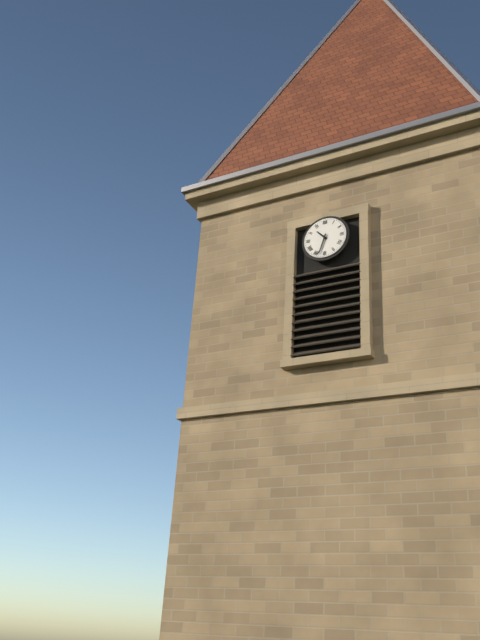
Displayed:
10,33
